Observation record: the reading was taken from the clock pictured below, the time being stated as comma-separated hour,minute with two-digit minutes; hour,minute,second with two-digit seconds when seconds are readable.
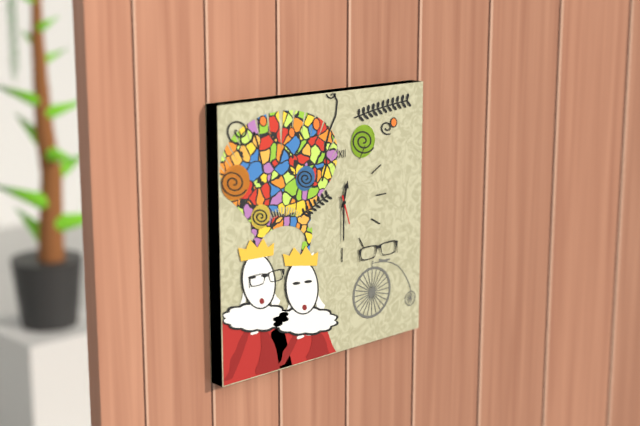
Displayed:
12,30
